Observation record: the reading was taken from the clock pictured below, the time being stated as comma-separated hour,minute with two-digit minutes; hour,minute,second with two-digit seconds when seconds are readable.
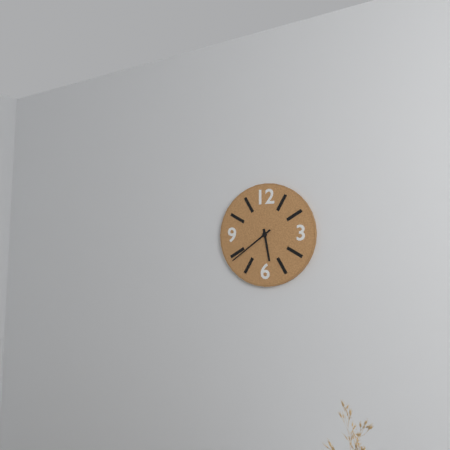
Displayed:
5,39
